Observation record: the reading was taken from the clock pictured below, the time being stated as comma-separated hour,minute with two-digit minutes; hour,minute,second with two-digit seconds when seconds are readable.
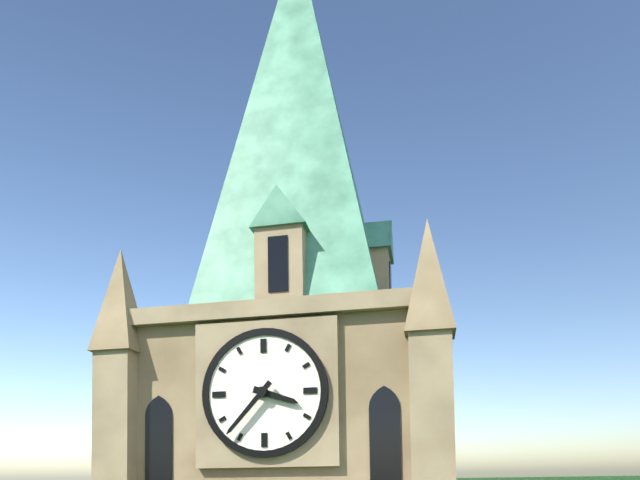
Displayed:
3,37
